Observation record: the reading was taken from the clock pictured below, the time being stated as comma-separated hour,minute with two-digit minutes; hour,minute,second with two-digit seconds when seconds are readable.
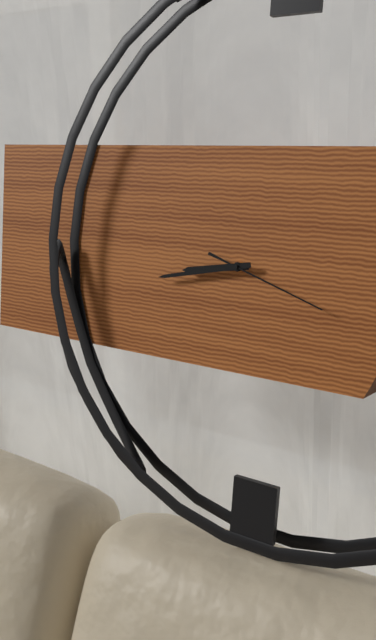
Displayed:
8,43,18
